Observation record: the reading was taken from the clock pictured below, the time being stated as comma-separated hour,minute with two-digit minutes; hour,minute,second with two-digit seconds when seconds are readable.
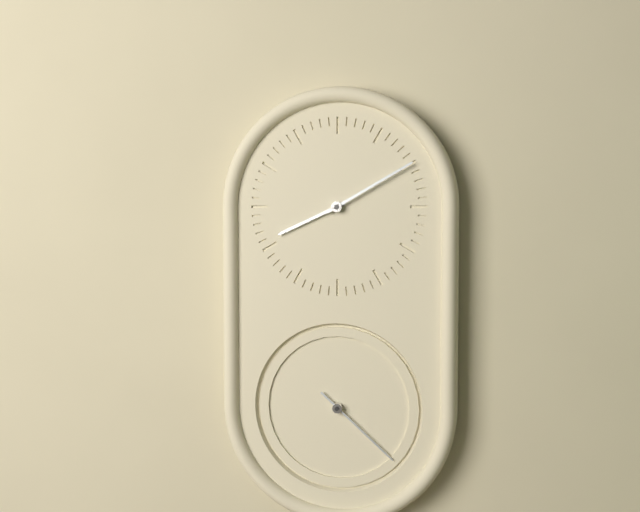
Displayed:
8,10,22
